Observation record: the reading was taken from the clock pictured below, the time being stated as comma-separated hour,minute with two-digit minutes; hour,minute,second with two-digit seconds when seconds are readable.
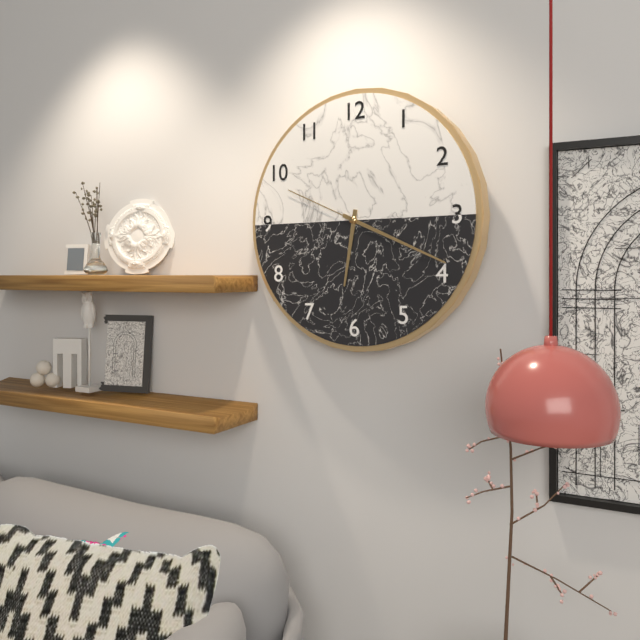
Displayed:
6,19,49
